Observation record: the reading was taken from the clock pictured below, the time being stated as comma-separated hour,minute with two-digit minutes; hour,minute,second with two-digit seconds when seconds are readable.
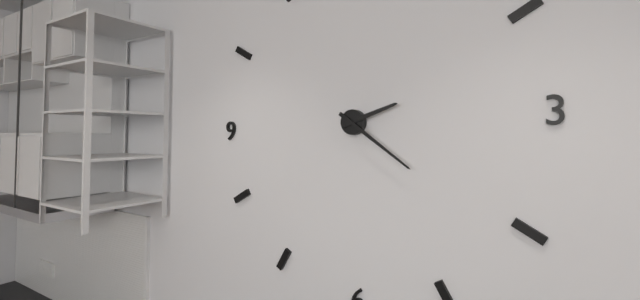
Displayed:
2,21
